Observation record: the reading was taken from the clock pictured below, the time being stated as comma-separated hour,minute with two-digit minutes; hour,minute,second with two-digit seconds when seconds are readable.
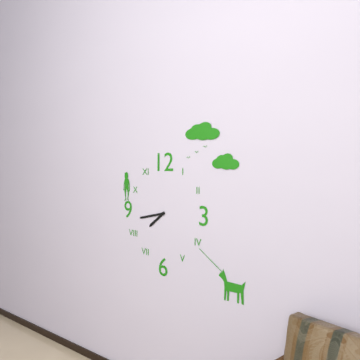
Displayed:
7,43
